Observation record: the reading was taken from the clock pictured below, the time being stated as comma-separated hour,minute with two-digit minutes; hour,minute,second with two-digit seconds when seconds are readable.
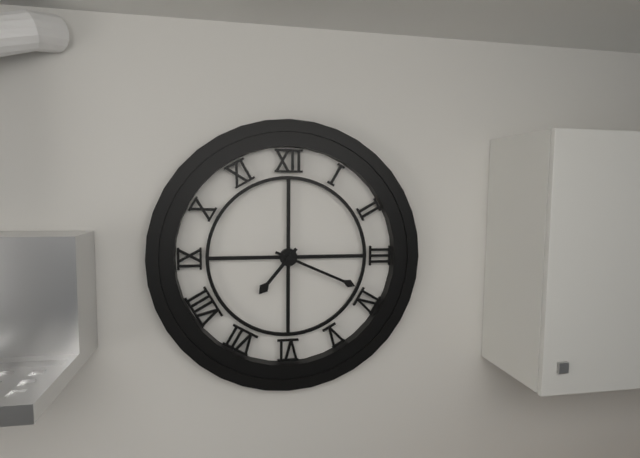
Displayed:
7,19
